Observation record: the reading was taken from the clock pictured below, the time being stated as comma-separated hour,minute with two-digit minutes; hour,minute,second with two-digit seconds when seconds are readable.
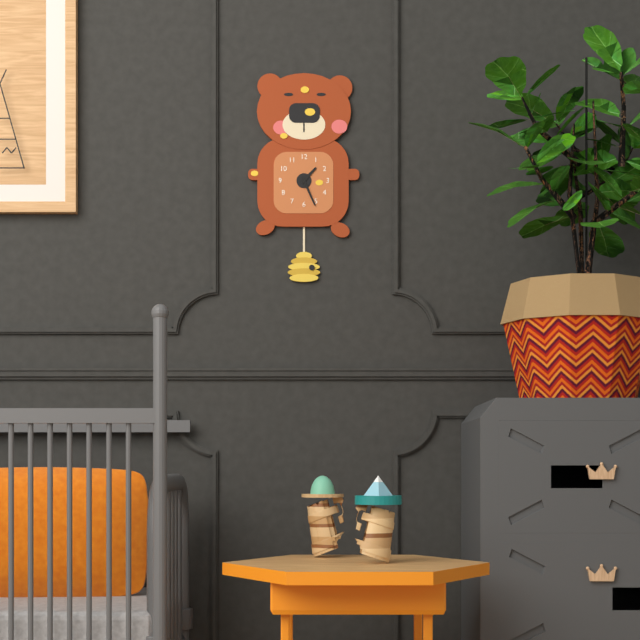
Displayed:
1,26
